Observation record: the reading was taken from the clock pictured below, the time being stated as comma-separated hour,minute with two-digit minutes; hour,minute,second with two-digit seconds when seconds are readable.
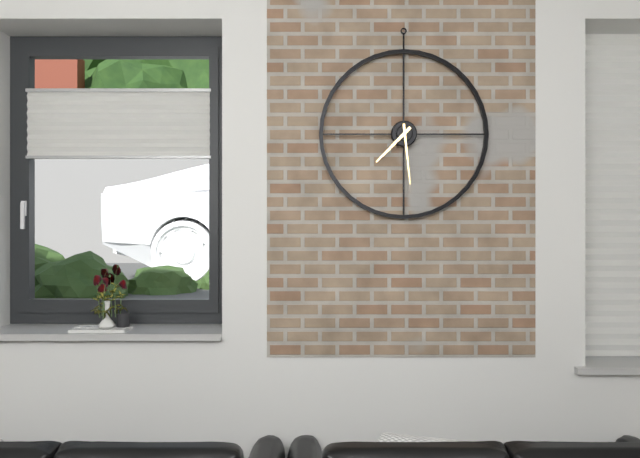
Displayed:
7,29
